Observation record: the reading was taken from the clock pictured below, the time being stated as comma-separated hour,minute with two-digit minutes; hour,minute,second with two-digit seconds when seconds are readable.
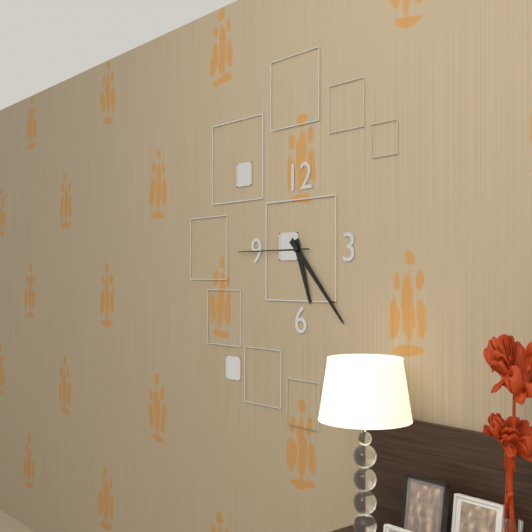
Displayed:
5,23,45
